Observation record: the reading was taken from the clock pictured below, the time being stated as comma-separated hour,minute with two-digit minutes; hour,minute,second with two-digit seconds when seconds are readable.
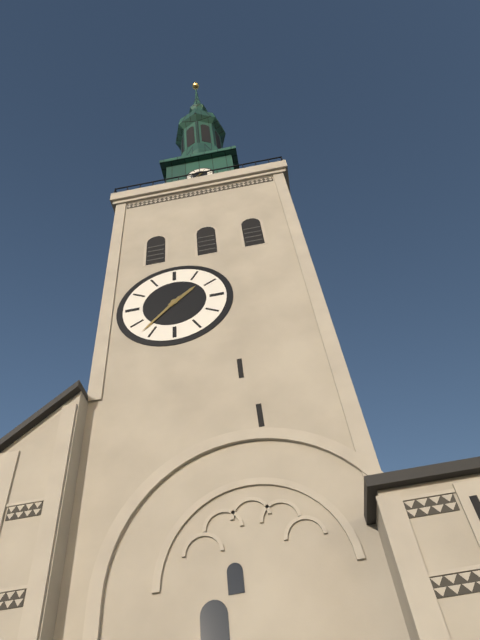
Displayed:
1,37
